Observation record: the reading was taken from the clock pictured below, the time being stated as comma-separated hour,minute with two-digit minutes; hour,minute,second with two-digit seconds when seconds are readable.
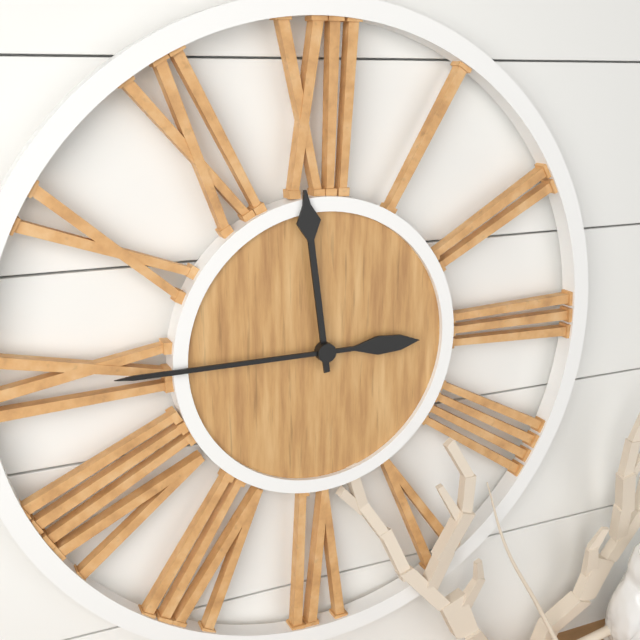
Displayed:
11,45
